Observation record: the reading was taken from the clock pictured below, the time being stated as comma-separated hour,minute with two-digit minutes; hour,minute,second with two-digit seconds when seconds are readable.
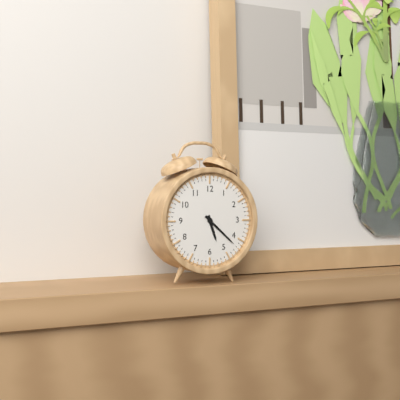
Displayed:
5,22
